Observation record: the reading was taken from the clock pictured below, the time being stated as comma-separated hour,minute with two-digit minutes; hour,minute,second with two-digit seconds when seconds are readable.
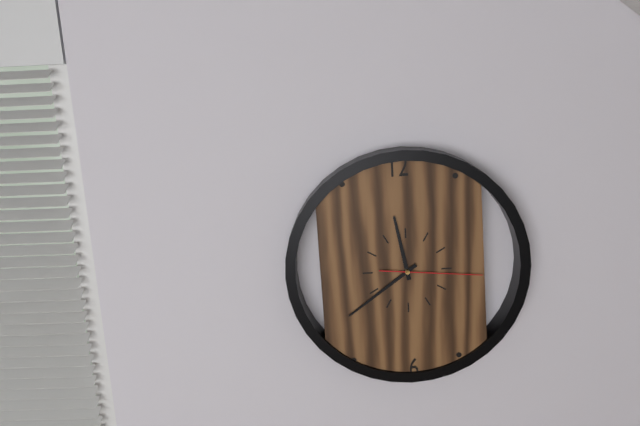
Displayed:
11,39,16
